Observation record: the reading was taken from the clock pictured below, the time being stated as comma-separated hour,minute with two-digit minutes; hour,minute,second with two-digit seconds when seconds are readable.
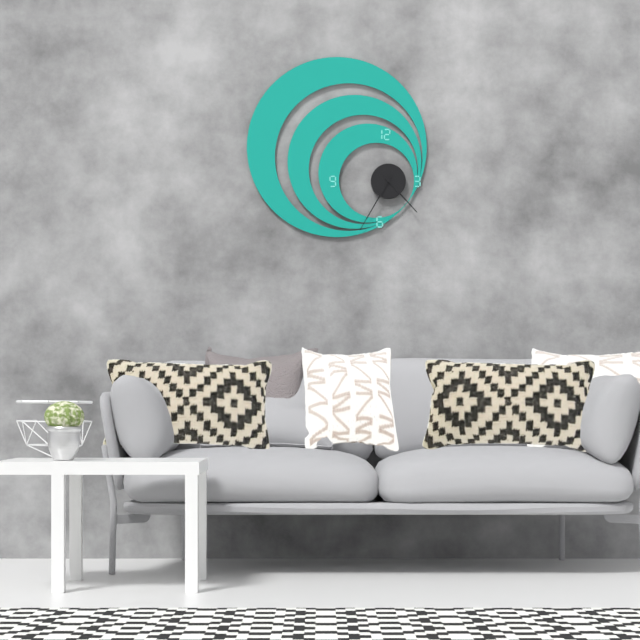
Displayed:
4,35
